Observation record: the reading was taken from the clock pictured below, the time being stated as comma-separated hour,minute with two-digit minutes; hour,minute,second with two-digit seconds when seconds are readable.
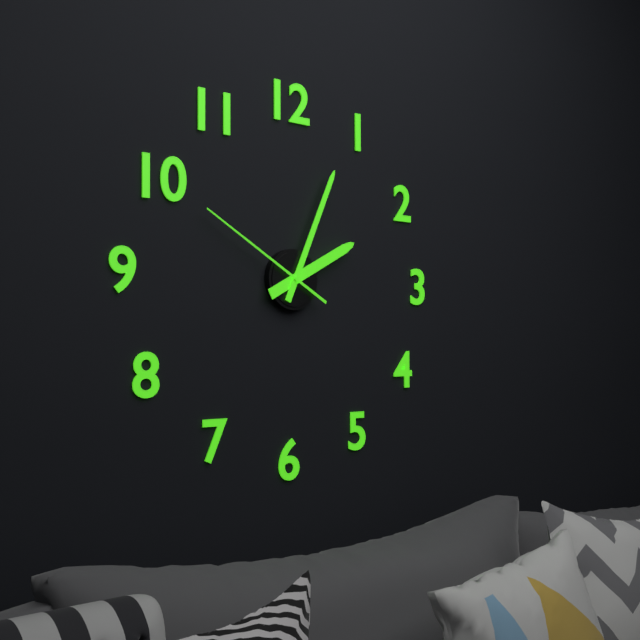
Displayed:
2,04,50
